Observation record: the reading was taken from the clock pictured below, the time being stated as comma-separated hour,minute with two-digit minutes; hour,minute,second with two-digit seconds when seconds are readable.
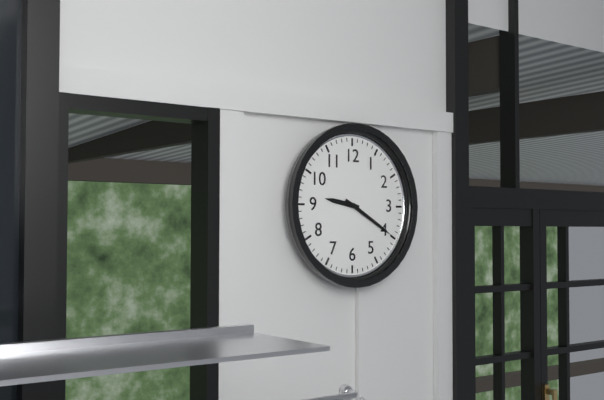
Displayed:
9,20
